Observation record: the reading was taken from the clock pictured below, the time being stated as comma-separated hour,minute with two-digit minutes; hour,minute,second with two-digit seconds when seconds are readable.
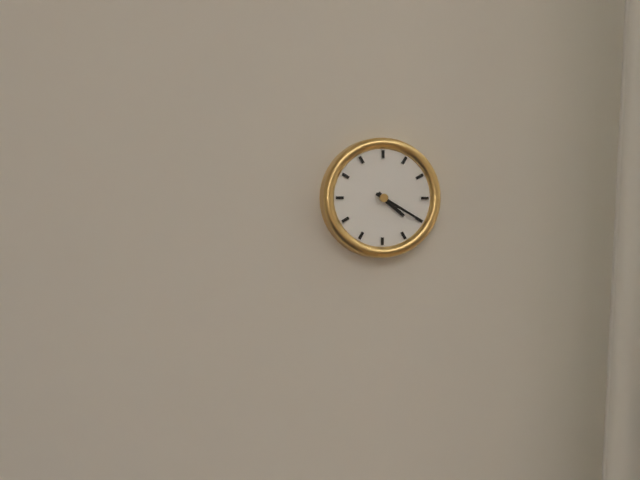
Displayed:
4,20
